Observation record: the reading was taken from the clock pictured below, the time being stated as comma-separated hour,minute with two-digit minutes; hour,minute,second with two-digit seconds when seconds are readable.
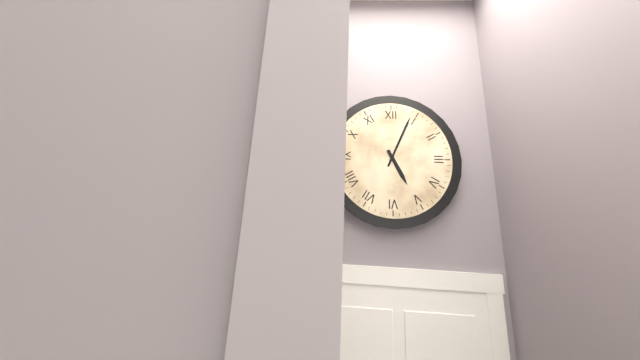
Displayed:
5,04
